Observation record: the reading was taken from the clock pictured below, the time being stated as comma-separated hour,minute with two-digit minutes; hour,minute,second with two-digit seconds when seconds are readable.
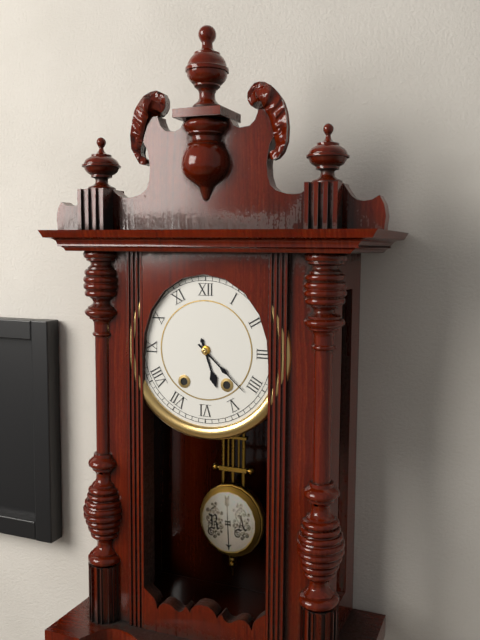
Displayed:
5,22
